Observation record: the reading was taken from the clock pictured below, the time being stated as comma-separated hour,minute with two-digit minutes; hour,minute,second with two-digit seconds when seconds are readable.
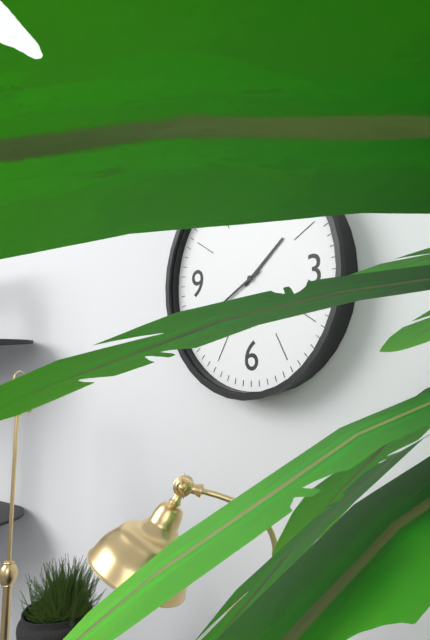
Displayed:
1,40
